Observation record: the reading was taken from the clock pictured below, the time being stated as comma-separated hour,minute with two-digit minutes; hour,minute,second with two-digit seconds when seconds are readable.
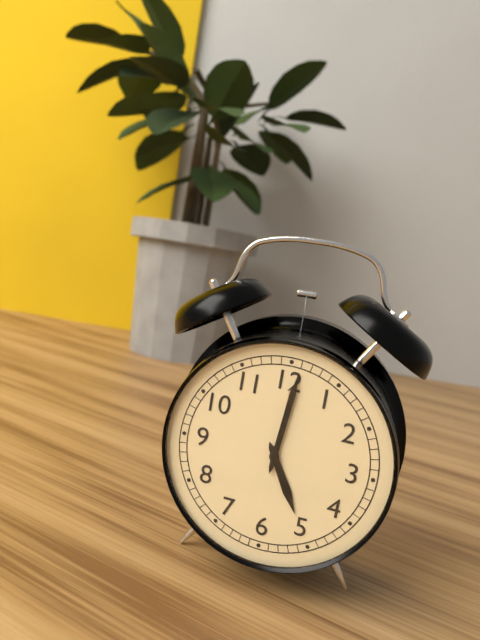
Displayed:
5,01
